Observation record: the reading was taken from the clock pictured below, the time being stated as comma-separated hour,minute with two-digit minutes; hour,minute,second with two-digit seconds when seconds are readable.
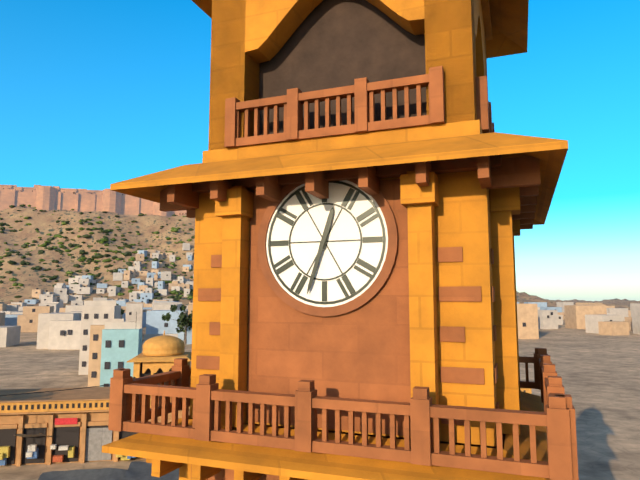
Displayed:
12,33
